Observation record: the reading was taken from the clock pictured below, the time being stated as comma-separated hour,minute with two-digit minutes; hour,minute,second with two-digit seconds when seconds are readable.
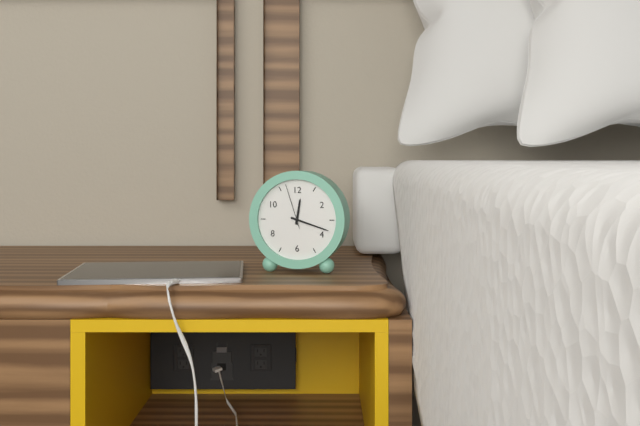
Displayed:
12,18
